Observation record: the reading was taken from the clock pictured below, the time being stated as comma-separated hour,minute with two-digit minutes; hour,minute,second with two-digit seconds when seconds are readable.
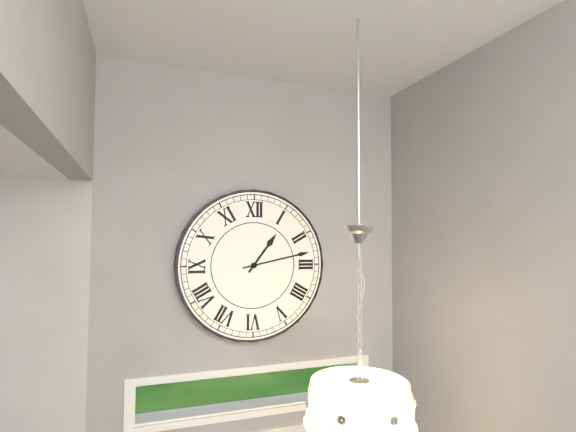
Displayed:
1,13
